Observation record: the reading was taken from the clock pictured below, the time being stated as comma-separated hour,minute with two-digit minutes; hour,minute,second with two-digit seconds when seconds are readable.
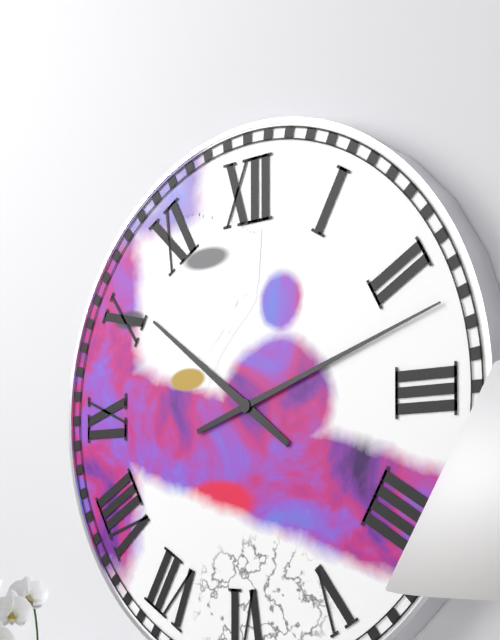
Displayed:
10,12
